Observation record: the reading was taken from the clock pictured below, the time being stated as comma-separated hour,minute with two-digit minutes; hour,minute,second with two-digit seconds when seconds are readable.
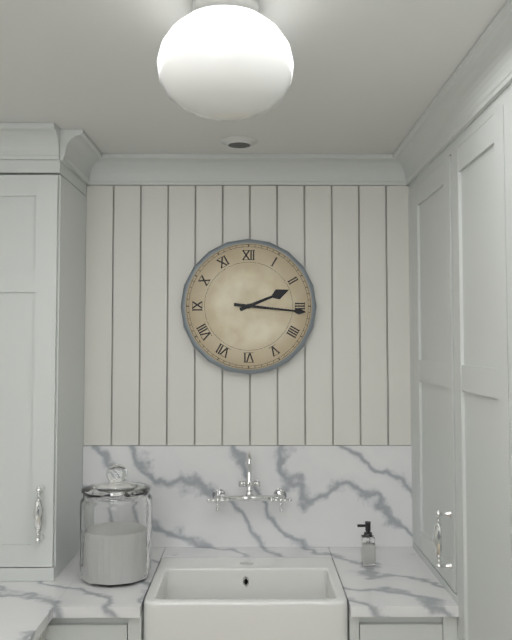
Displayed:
2,16
